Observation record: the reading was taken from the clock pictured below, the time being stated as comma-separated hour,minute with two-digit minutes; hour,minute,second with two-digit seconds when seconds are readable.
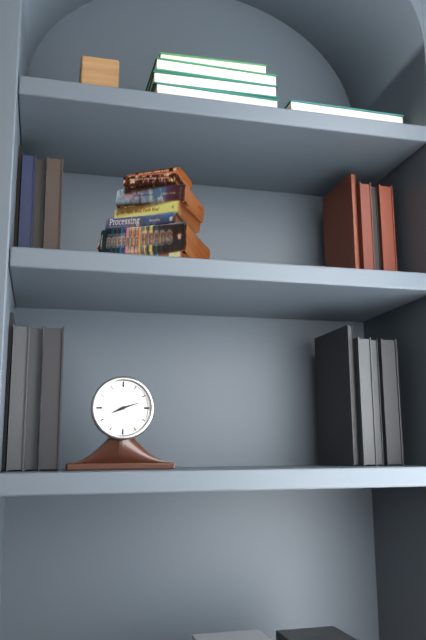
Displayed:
8,12
